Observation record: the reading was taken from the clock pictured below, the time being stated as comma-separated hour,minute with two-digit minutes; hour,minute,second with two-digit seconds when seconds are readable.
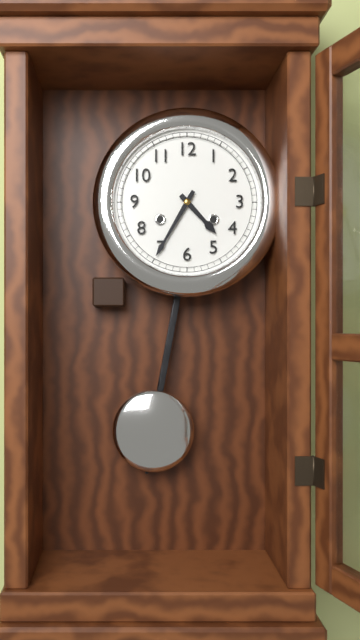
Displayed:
4,35
